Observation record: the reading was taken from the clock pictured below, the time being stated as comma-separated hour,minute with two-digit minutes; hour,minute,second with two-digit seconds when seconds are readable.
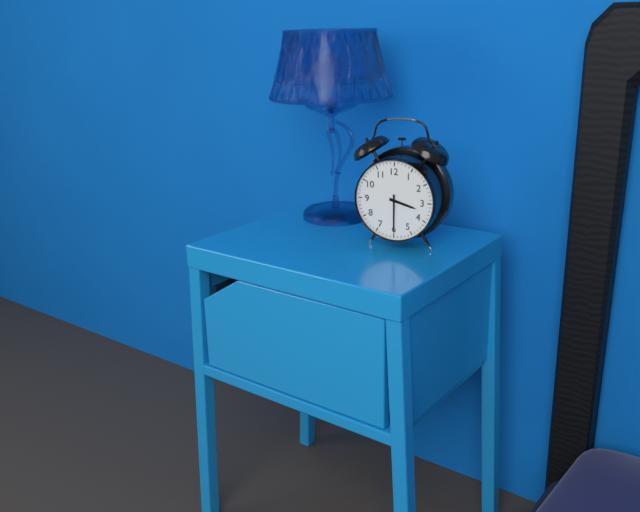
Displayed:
3,30
